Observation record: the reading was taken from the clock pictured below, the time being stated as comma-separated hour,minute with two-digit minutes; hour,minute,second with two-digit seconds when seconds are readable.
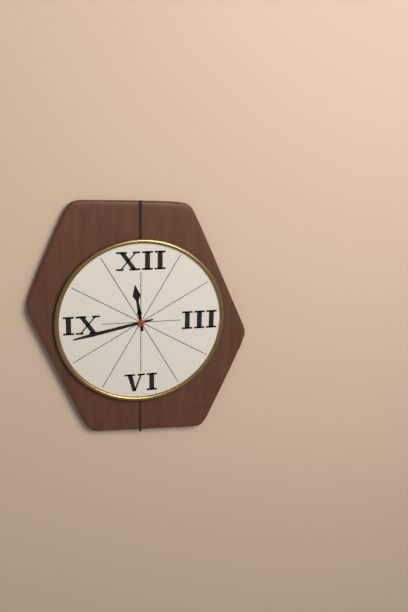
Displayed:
11,43
